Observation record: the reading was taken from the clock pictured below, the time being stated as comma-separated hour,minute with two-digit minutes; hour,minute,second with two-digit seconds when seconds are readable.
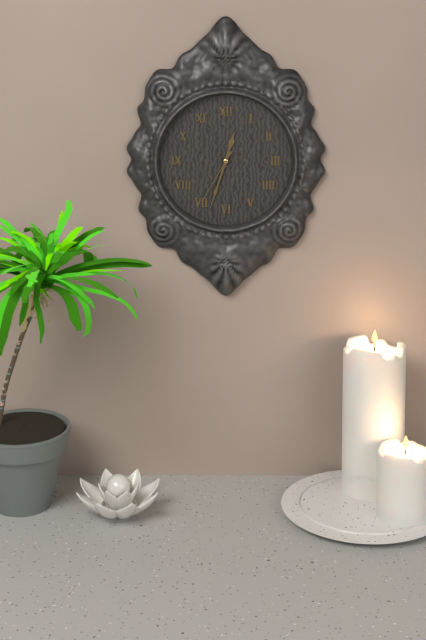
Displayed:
12,33,35
